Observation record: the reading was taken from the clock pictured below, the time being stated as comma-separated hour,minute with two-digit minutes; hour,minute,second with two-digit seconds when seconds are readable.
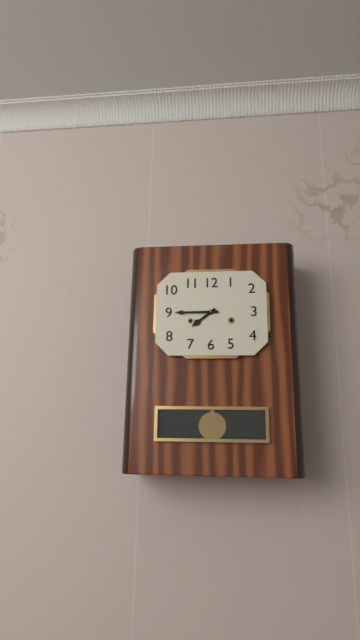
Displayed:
7,45
